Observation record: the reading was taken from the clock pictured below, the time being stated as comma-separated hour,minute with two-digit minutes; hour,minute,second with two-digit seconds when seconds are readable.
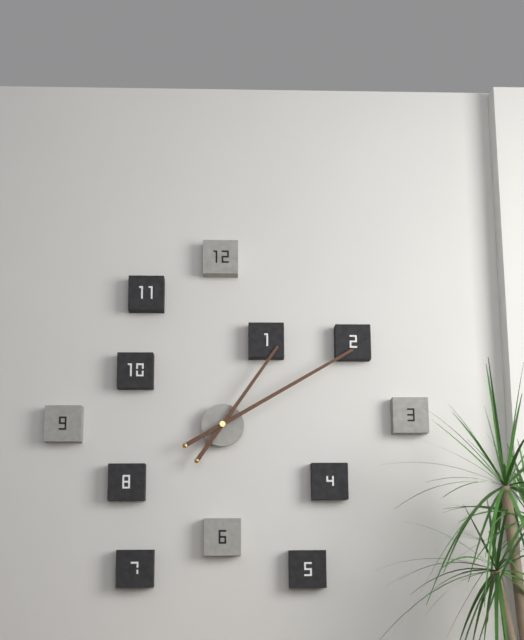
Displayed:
1,10
